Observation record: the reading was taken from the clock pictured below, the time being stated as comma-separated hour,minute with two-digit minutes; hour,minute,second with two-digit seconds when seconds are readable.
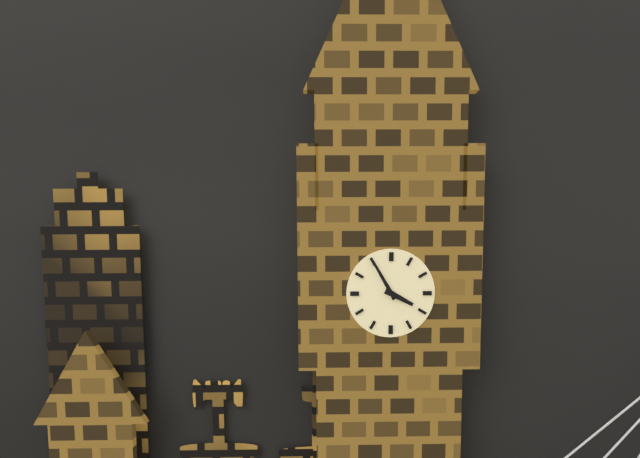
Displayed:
3,55
